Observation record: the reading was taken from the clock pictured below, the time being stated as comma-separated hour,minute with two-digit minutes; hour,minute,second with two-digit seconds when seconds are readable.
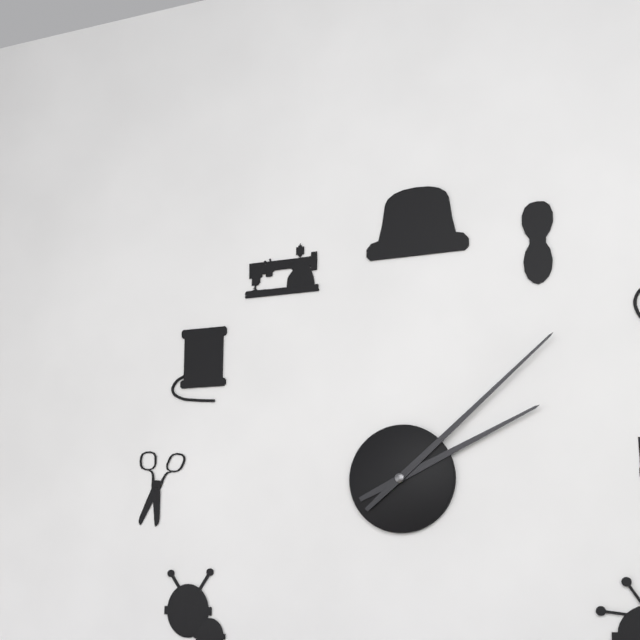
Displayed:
2,08
